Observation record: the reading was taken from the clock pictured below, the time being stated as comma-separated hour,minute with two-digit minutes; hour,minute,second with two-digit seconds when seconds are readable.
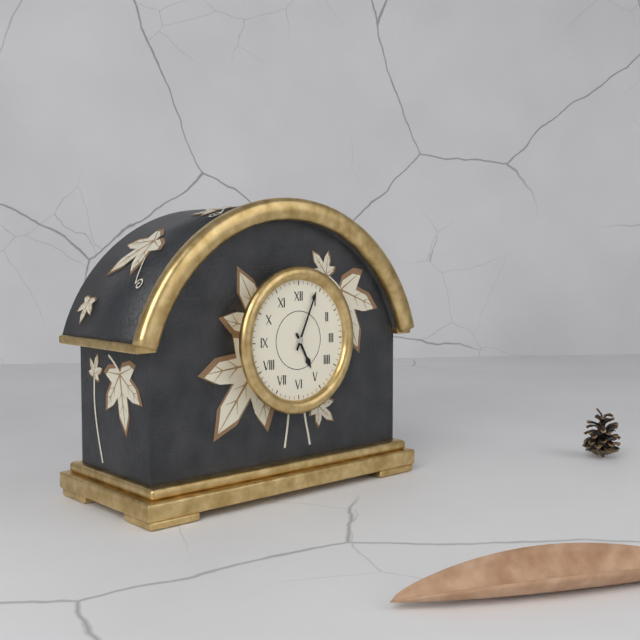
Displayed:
5,04
